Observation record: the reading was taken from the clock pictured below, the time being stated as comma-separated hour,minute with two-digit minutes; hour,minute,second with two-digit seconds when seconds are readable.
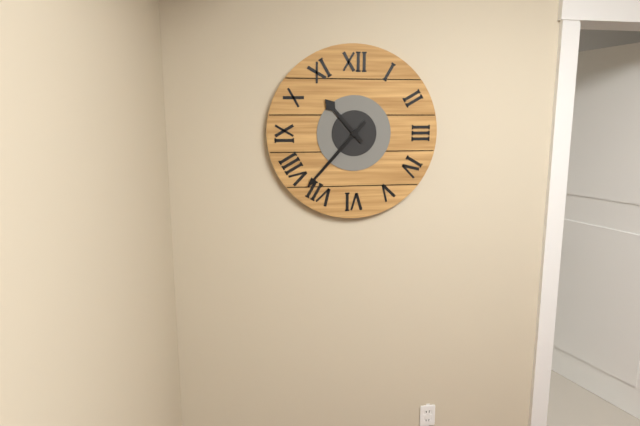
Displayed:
10,37
